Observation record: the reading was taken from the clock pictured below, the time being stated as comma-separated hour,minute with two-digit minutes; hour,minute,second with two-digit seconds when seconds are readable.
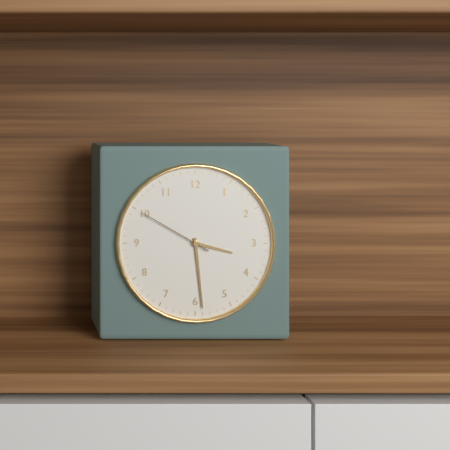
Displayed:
3,29,50
